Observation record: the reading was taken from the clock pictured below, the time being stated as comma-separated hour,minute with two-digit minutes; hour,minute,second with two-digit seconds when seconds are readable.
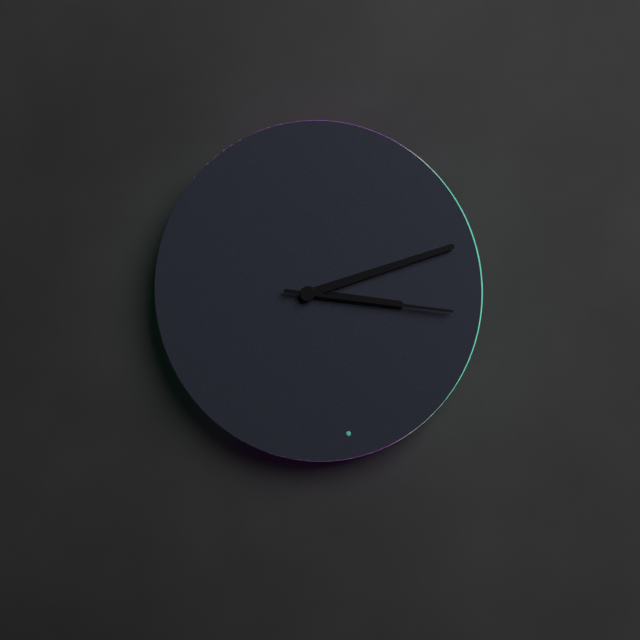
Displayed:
3,12,16
